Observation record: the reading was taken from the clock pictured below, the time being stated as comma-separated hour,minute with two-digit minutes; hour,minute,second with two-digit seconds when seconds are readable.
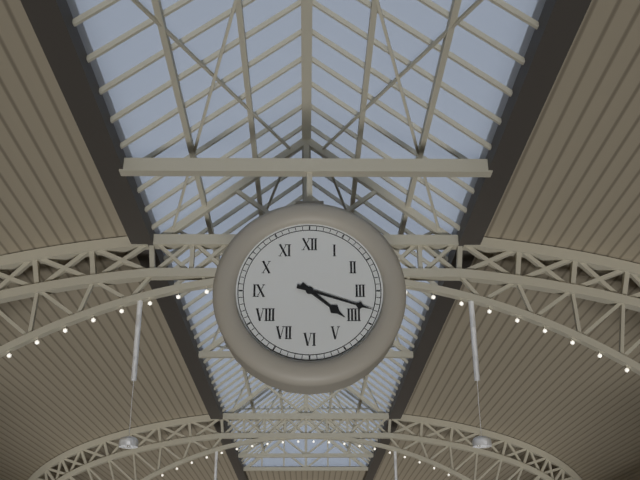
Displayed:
4,18
